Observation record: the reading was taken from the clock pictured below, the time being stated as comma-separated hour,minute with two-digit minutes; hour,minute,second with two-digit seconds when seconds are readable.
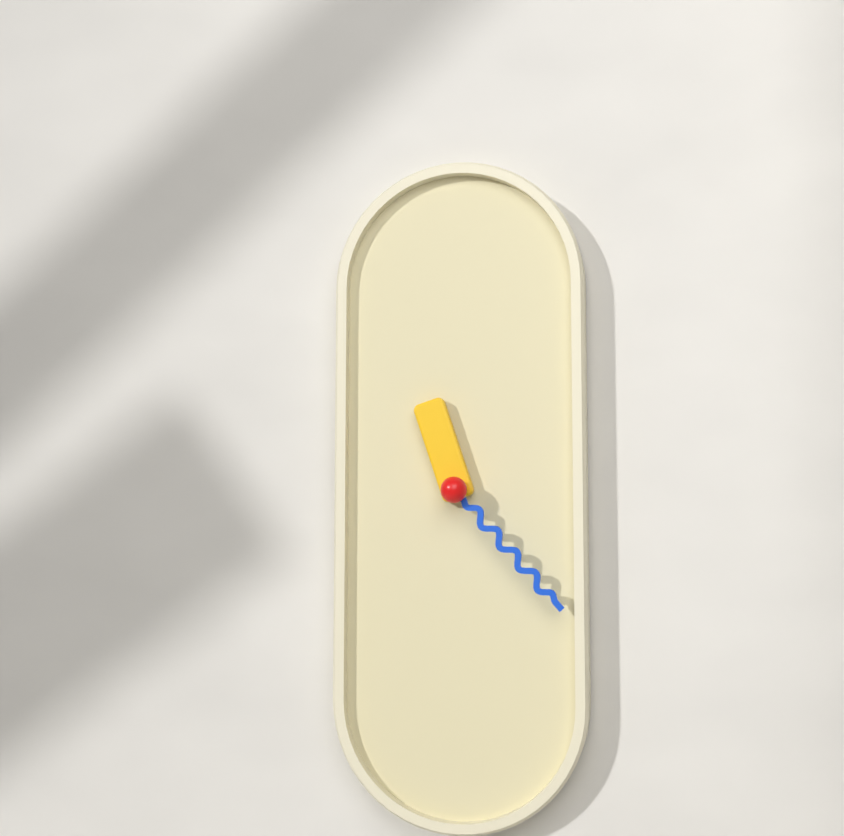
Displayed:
11,23
